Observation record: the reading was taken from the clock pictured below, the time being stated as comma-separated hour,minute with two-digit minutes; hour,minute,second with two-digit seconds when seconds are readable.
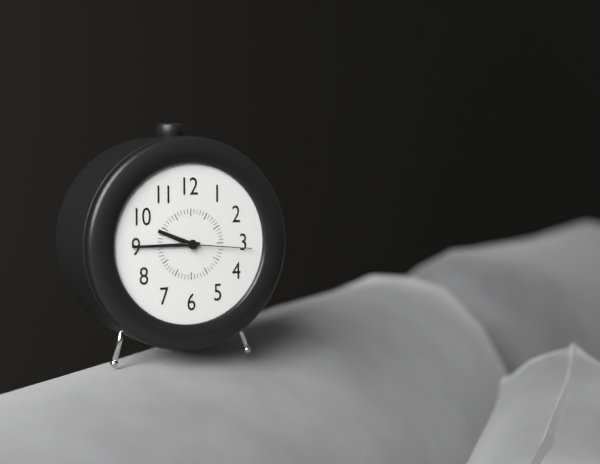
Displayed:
9,45,16
